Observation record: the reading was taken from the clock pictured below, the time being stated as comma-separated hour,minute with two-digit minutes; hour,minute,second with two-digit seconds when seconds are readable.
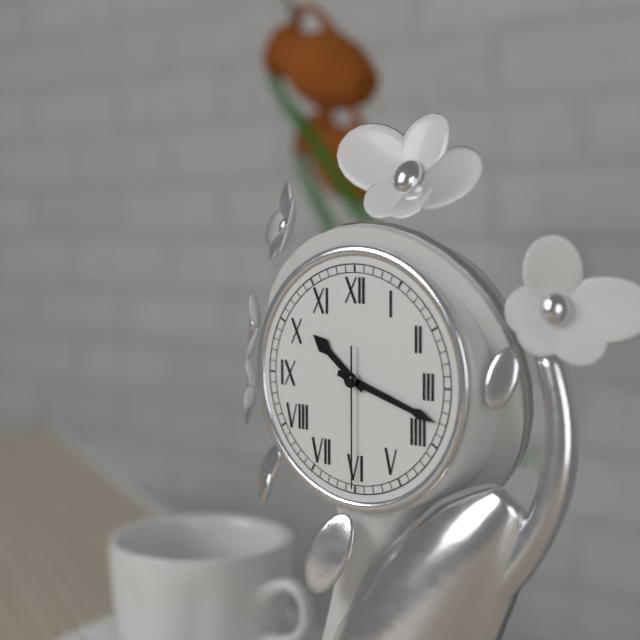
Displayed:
10,18,30
